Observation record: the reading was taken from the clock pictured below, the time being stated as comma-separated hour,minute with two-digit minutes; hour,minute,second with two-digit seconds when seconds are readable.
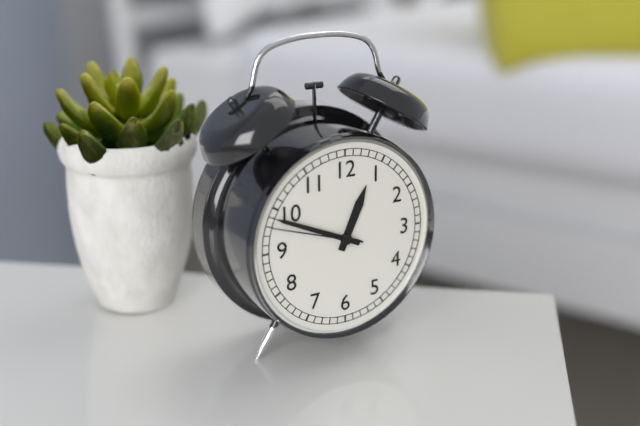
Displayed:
12,49,48
